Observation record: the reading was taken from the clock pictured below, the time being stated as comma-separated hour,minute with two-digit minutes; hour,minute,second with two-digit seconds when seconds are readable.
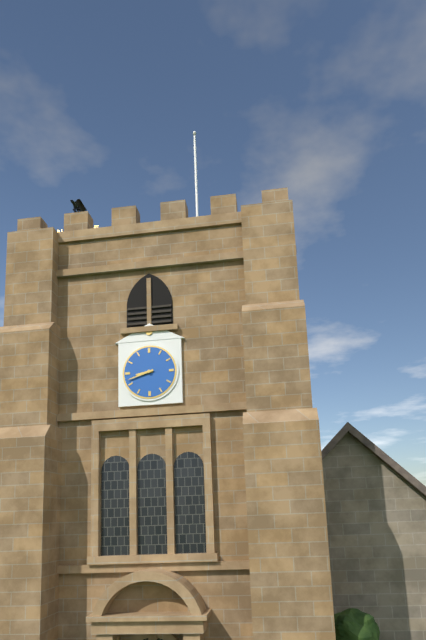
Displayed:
8,42
